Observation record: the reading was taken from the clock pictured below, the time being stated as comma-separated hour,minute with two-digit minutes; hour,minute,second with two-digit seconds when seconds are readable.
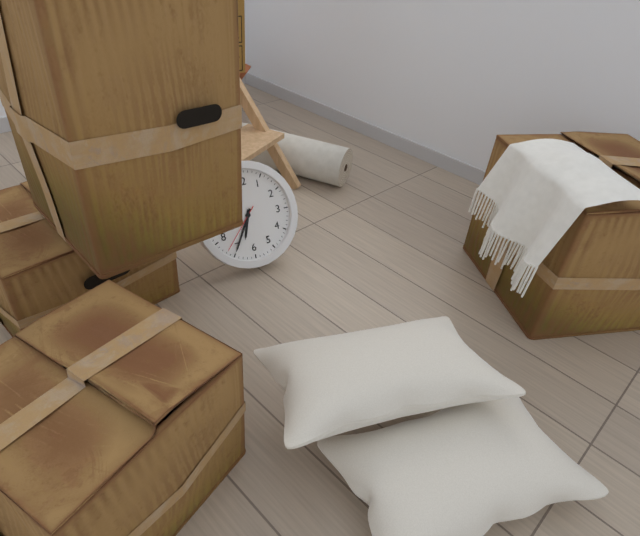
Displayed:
6,35,37
